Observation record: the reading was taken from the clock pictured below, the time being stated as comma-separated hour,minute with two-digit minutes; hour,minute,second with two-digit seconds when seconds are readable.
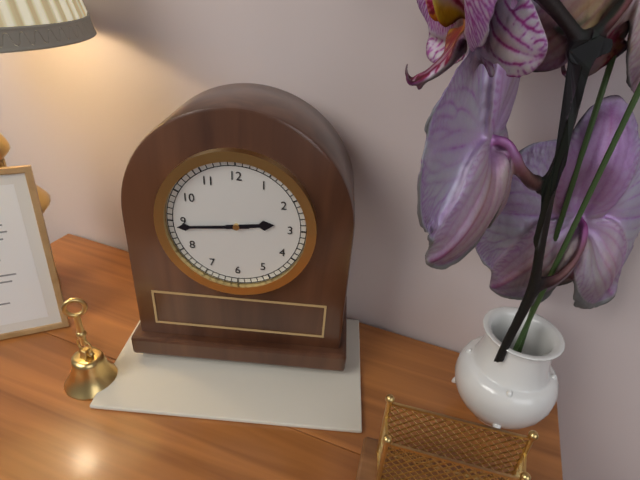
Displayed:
2,44
